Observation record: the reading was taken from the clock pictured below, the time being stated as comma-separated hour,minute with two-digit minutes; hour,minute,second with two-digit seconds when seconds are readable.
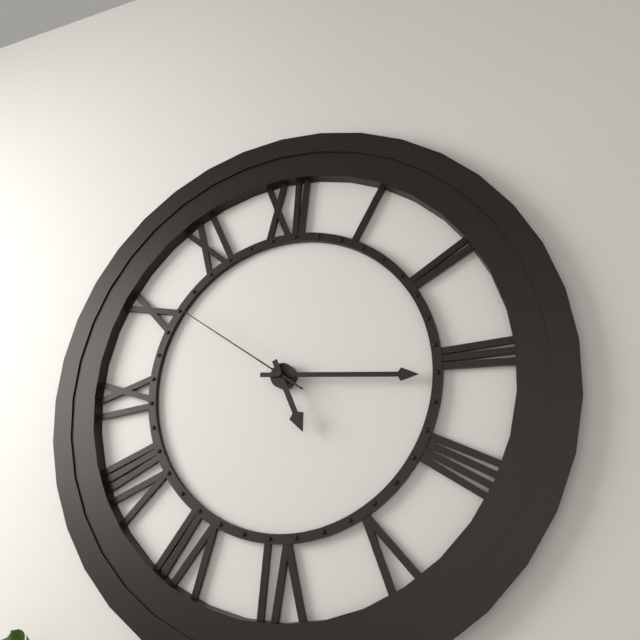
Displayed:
5,16,51
